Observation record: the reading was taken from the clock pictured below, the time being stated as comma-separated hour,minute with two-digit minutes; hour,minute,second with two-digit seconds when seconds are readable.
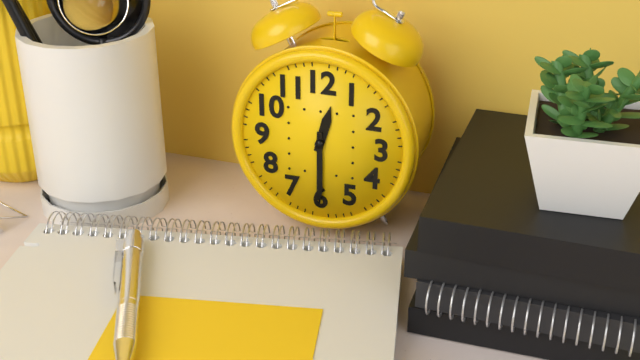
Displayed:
12,30
